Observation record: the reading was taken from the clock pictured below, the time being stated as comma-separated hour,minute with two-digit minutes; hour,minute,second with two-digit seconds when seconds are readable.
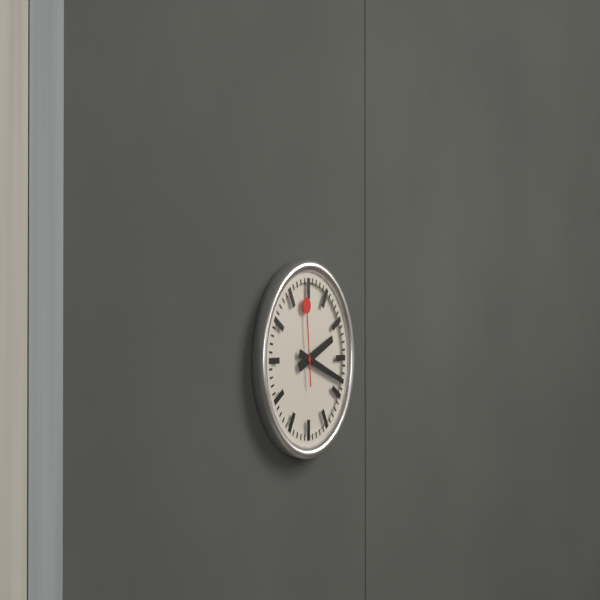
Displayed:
2,18,59
